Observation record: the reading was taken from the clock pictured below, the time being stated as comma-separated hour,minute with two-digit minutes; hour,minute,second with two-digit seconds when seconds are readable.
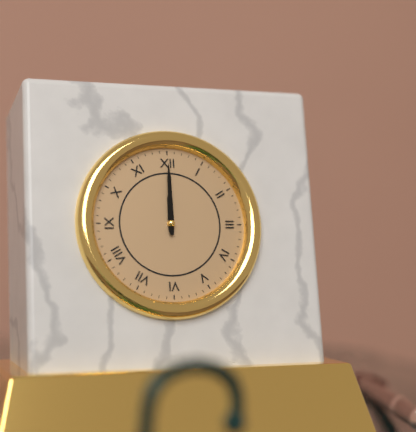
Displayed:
12,00
